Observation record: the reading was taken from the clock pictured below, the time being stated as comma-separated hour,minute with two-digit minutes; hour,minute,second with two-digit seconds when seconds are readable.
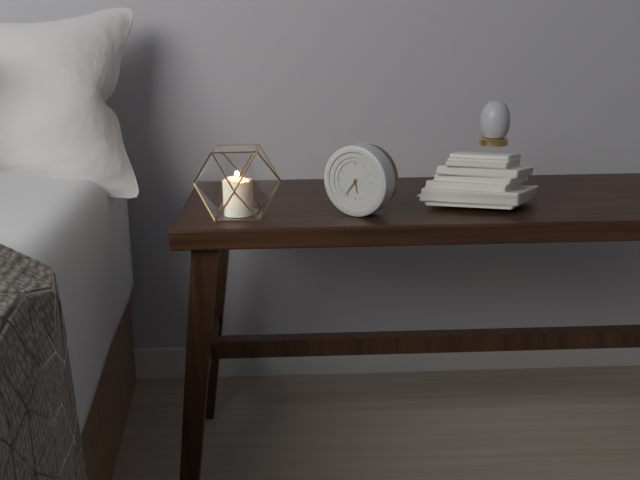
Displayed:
5,36
